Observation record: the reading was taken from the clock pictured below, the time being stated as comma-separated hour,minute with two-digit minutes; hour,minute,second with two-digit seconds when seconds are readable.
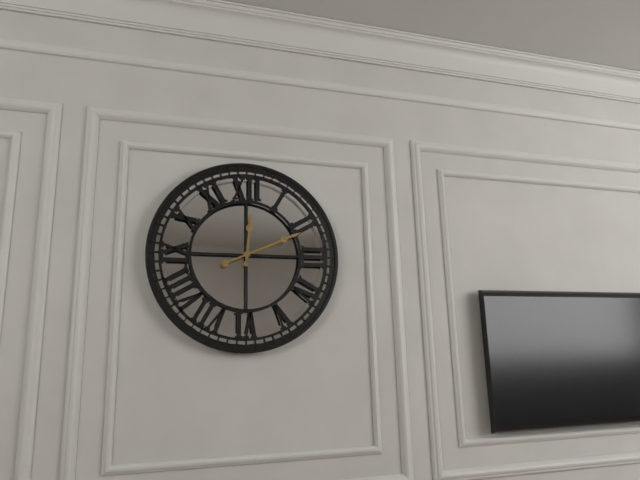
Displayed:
12,11
